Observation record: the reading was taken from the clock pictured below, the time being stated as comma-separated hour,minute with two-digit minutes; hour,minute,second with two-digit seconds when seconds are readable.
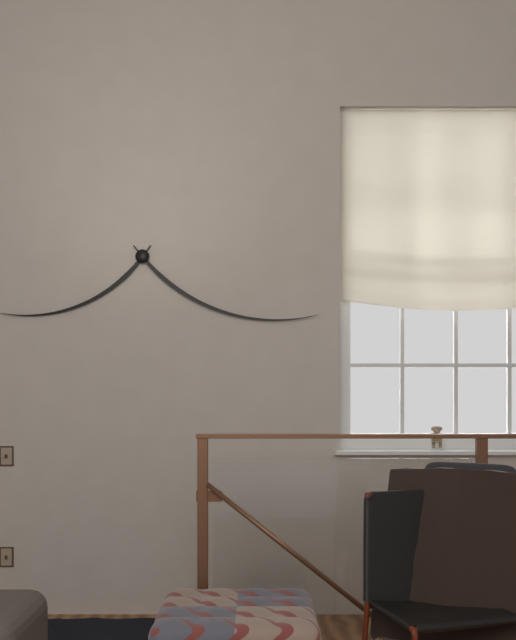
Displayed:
8,18
